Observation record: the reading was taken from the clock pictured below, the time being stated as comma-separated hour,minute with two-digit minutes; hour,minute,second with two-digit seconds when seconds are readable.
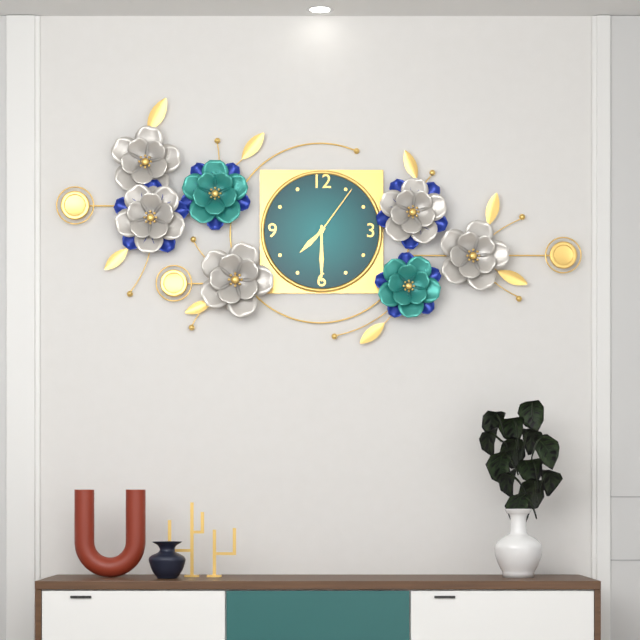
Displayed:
7,30,06
